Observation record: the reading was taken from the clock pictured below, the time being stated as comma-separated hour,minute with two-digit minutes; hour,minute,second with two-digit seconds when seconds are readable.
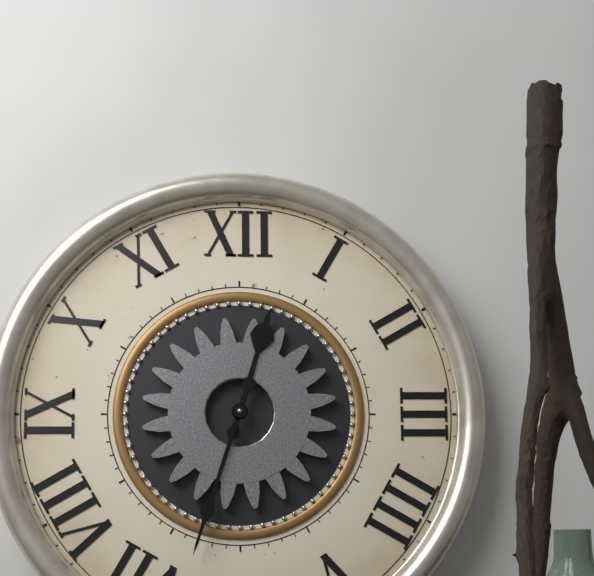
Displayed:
12,33
